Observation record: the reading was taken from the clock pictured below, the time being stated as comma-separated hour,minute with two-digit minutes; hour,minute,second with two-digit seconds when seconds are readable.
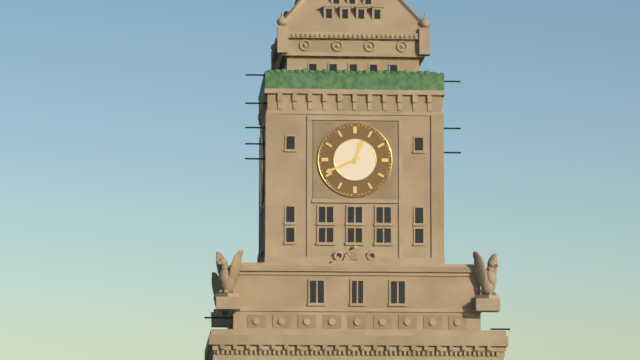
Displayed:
12,41
